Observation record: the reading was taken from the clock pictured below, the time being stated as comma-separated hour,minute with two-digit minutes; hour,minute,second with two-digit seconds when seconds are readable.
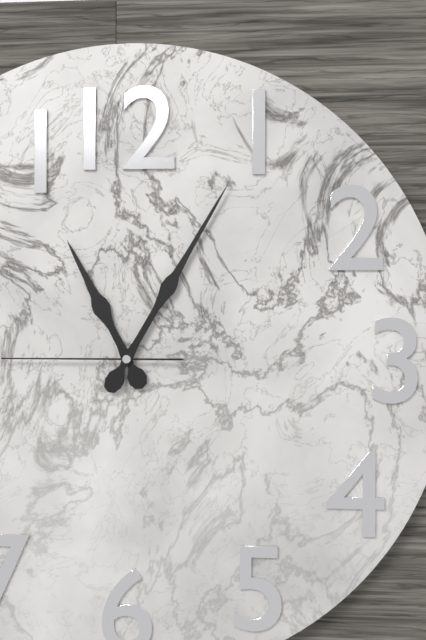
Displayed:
11,05,45
